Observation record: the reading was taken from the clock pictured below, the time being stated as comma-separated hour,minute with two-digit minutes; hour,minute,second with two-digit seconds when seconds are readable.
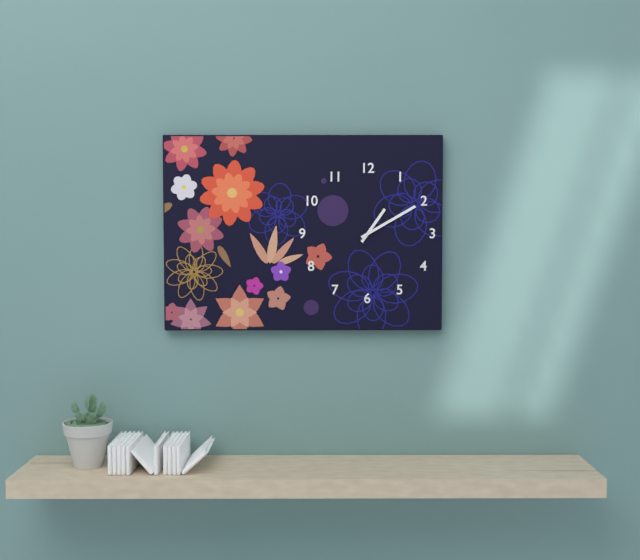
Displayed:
1,10
